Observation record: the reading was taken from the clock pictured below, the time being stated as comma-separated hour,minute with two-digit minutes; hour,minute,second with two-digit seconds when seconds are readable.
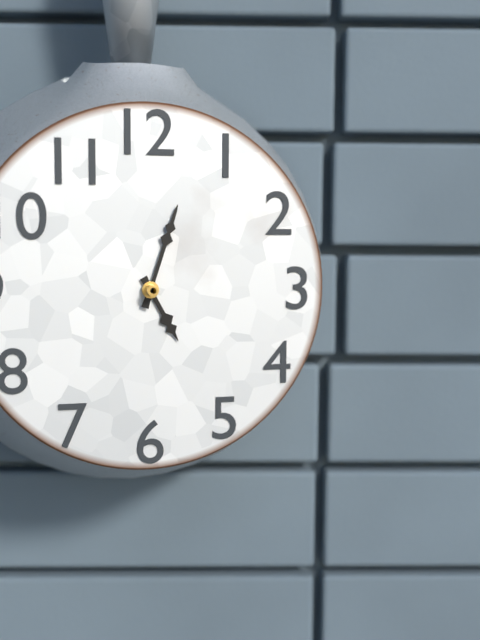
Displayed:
5,03
